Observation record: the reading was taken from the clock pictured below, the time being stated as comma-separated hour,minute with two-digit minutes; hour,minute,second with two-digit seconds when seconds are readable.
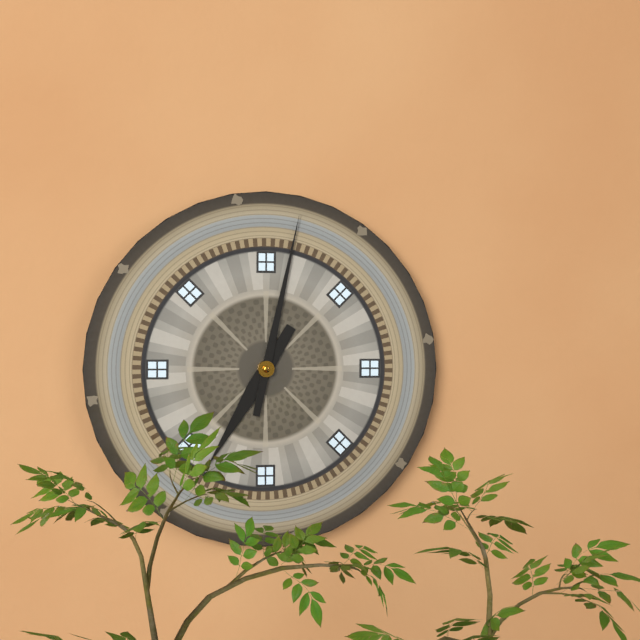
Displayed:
7,02
